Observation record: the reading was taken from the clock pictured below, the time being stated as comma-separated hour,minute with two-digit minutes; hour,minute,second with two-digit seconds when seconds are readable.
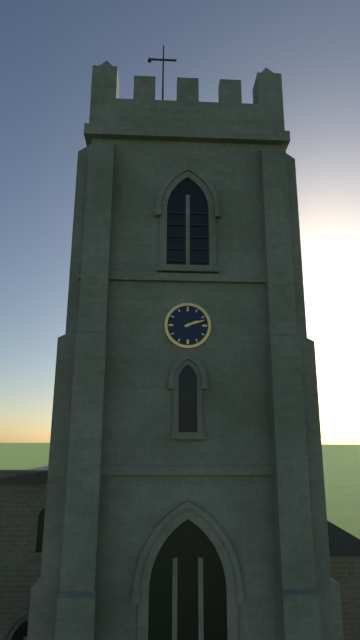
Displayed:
2,12
